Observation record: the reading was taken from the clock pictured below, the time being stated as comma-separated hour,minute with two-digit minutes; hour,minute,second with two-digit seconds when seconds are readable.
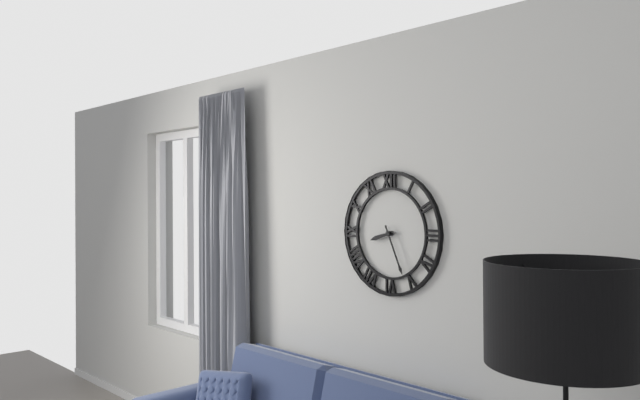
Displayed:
8,26
